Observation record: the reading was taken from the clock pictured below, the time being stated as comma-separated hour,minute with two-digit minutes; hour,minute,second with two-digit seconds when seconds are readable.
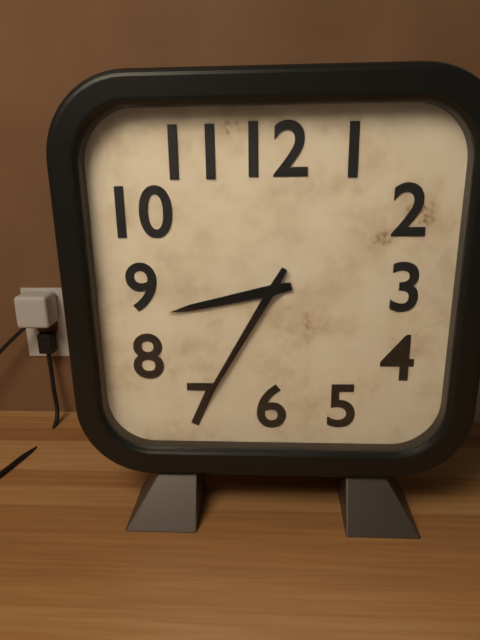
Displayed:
8,35
